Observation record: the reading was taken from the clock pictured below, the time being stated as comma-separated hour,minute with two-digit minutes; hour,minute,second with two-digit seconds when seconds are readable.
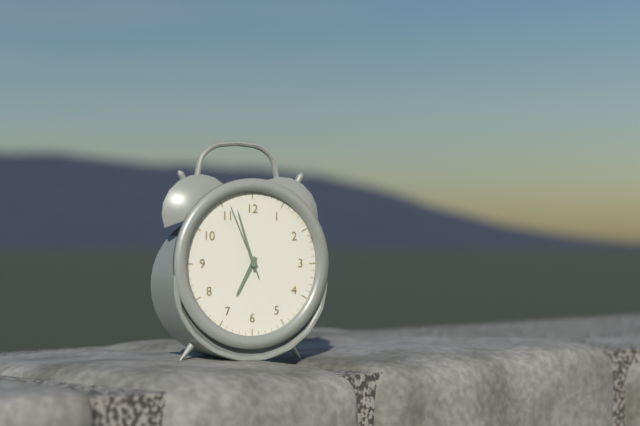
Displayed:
6,57,56
